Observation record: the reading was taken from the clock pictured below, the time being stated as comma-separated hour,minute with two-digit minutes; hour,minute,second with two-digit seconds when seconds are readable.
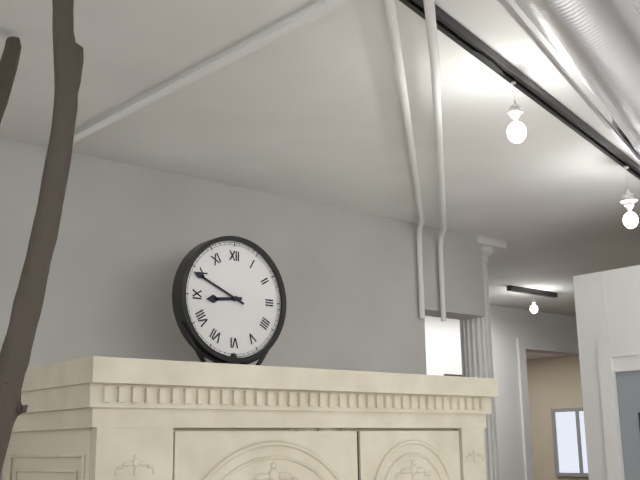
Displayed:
8,49
